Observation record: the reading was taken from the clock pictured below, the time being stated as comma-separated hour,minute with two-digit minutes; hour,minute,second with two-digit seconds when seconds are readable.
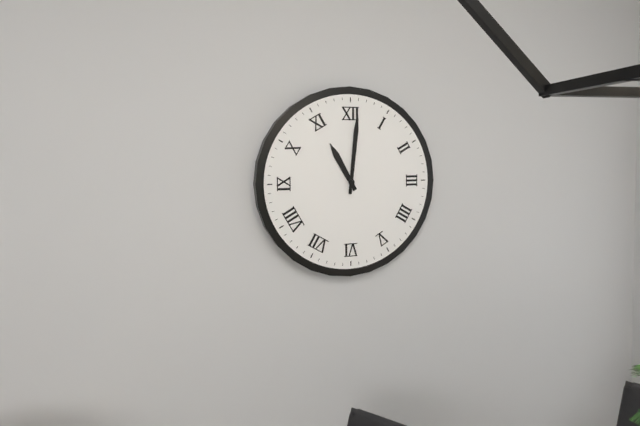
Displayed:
11,01
